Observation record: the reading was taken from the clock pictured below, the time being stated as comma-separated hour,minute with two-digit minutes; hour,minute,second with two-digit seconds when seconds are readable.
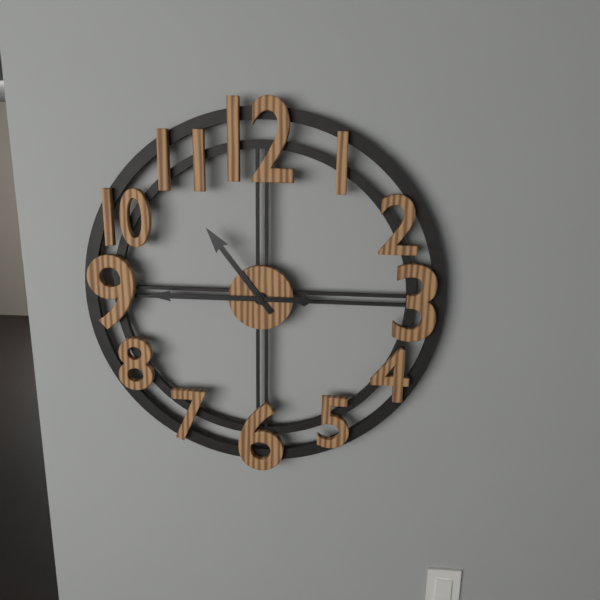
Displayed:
10,45
